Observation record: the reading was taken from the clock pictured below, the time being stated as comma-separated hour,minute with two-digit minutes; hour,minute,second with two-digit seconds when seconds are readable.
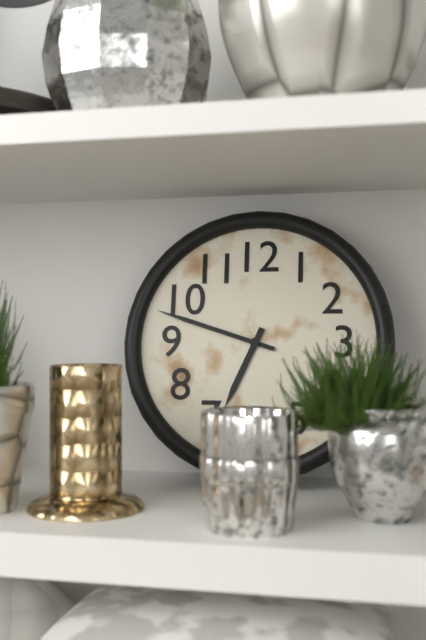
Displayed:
6,48
